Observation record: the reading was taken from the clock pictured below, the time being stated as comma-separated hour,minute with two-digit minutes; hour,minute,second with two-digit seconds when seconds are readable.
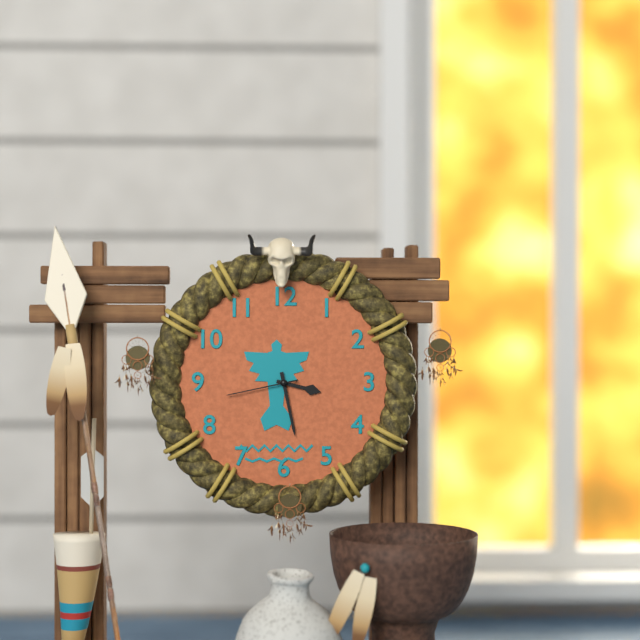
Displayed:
3,28,43
